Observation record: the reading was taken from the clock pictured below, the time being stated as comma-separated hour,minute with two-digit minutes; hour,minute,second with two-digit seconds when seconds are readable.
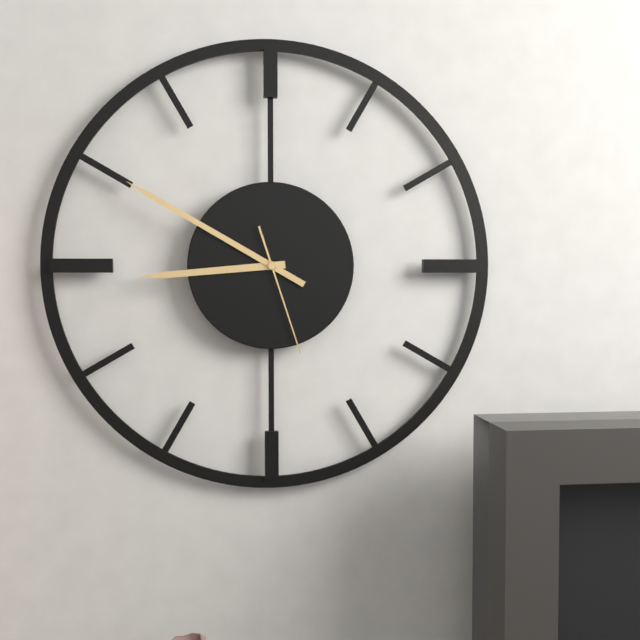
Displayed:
8,50,27
